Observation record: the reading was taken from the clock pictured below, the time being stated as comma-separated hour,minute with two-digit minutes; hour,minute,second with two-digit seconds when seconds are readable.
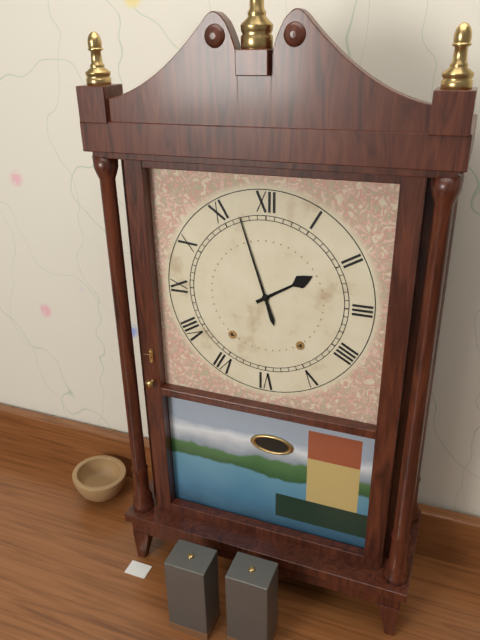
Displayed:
1,57
